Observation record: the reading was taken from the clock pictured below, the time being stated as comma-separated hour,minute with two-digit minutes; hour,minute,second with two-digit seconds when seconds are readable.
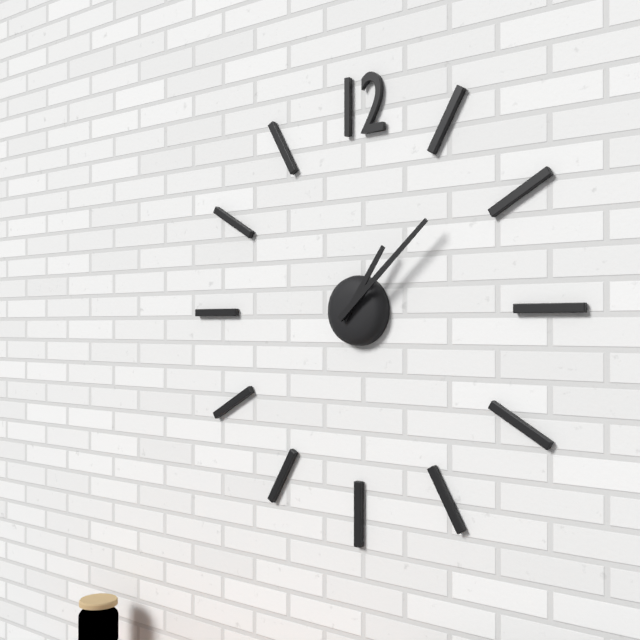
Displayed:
1,08
